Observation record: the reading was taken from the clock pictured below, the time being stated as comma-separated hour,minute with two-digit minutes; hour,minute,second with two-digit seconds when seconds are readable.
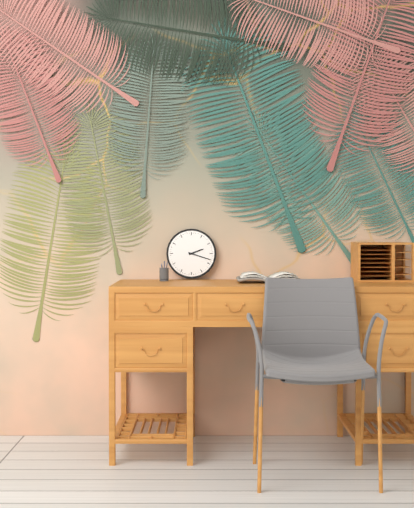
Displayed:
2,18
